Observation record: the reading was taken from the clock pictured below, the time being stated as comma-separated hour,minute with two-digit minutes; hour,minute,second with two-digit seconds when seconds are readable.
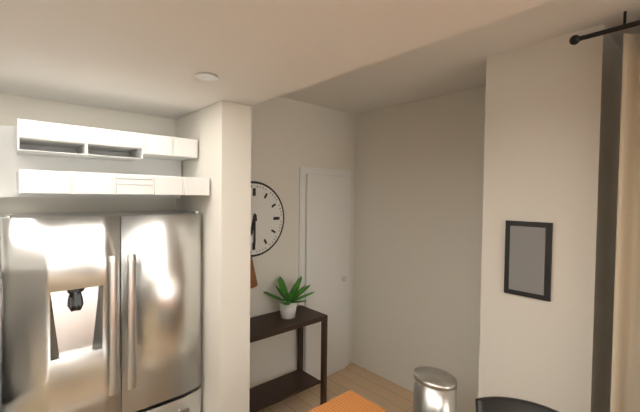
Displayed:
6,30
